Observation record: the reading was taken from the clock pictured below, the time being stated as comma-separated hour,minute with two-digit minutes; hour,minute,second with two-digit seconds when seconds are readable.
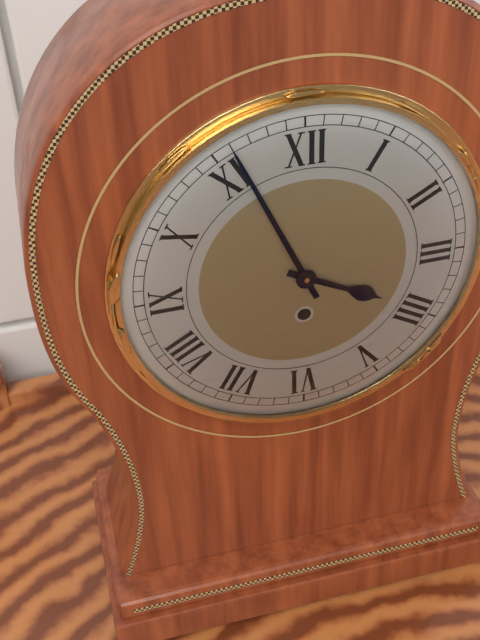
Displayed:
3,56
